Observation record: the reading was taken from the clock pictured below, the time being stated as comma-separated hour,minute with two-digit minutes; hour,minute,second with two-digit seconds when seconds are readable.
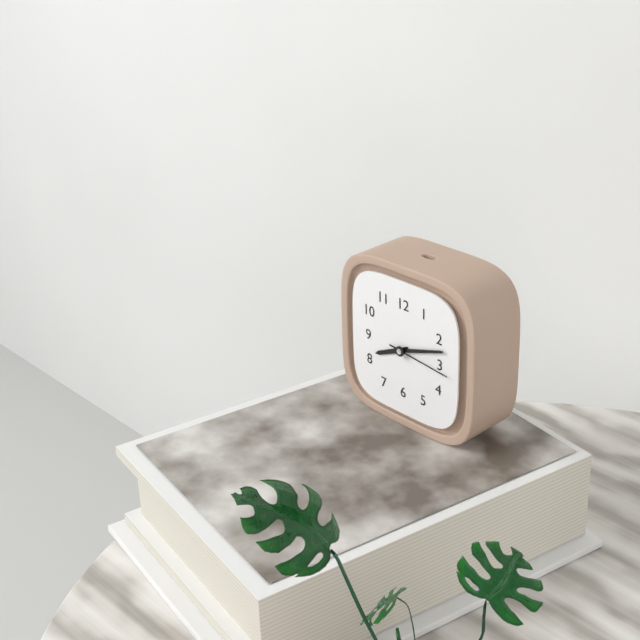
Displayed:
8,12,16
